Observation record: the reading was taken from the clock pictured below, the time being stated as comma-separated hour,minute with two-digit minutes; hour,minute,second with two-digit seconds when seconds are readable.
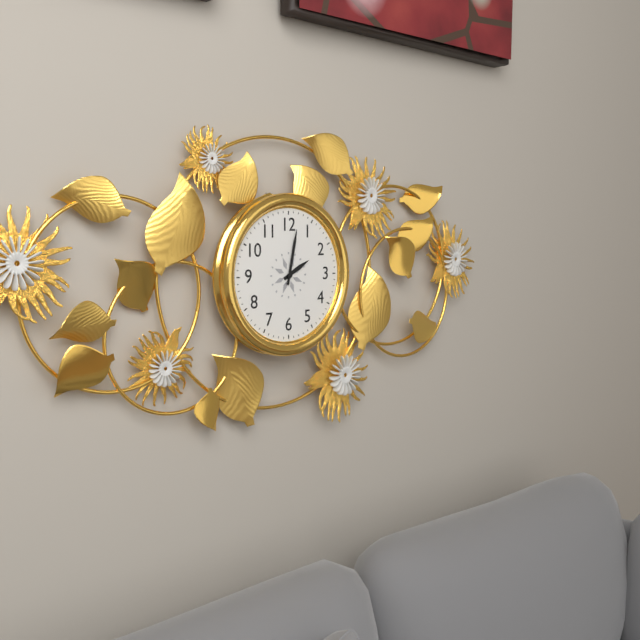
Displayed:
2,02
